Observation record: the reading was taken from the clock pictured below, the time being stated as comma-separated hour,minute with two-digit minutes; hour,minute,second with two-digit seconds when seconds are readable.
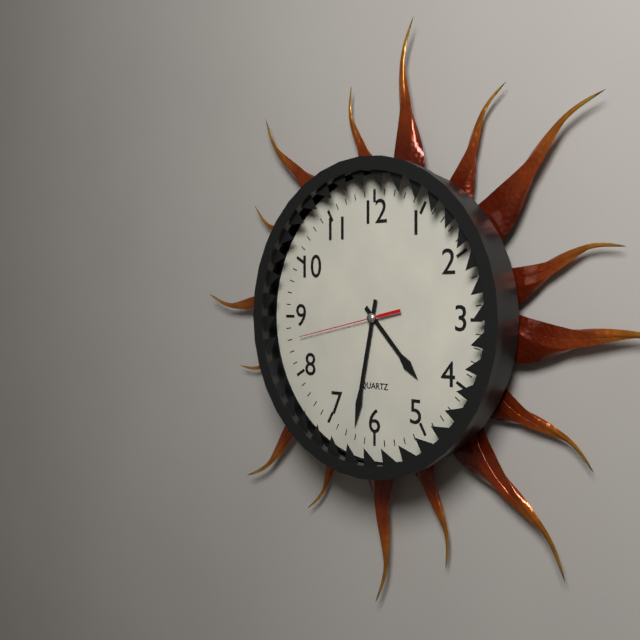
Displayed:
4,32,43
